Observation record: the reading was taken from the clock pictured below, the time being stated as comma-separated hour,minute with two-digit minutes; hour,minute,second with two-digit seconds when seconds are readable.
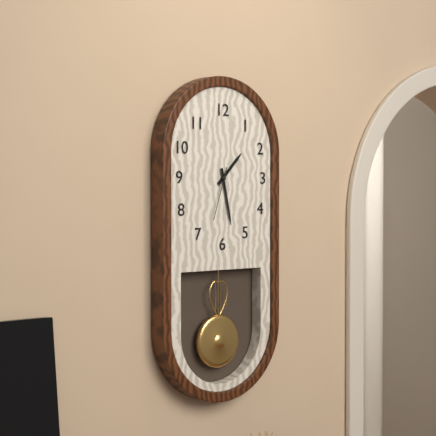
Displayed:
1,28,33
